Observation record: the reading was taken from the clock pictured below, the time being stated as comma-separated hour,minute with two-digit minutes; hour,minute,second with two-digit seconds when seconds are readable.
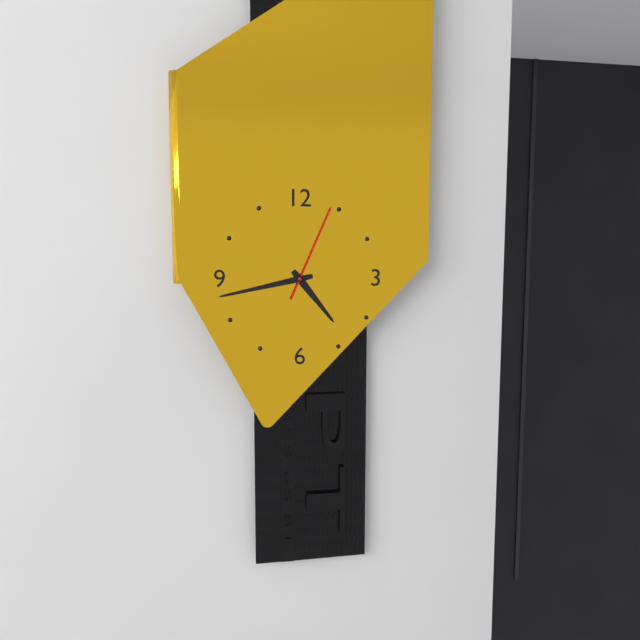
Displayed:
4,43,04
